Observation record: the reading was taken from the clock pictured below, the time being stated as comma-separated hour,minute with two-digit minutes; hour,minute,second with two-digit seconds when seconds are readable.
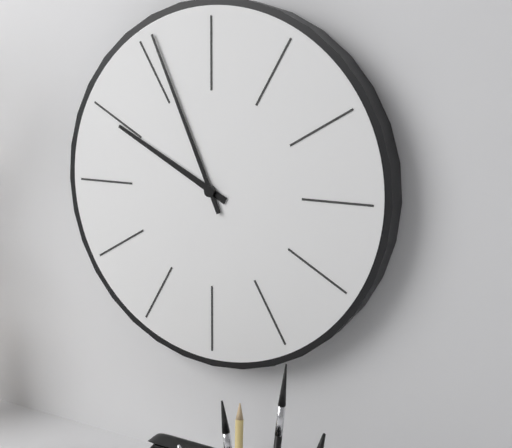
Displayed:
9,56
